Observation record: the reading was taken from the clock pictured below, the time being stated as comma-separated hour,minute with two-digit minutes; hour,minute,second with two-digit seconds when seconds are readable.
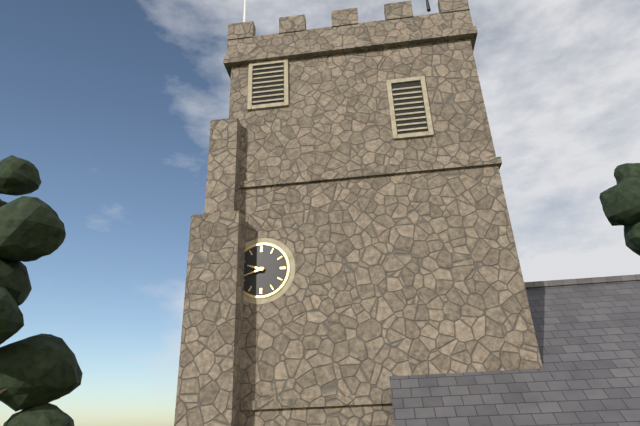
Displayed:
9,42
